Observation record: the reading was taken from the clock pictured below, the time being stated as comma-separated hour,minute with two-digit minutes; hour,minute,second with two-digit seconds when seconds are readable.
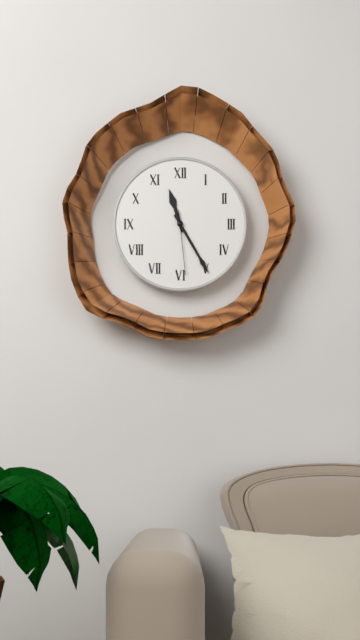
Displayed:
11,25,29
